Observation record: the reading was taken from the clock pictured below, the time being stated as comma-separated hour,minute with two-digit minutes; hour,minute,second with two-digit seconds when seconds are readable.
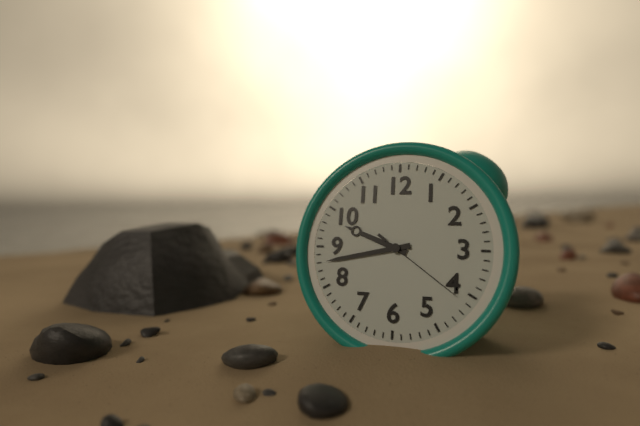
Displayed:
9,43,21
